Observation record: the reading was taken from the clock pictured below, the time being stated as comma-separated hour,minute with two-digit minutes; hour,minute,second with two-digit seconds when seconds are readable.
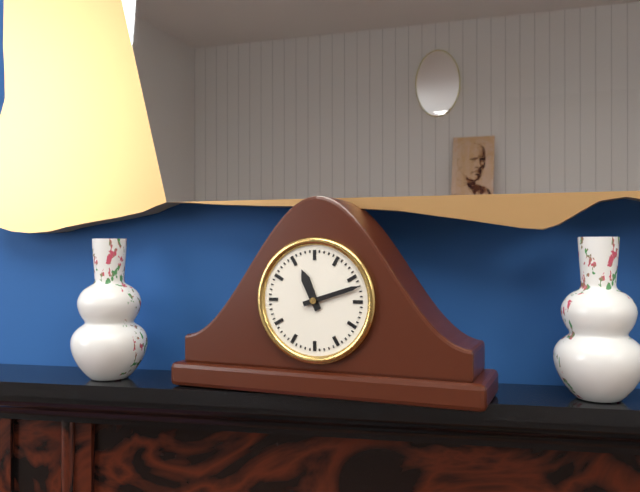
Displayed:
11,12
